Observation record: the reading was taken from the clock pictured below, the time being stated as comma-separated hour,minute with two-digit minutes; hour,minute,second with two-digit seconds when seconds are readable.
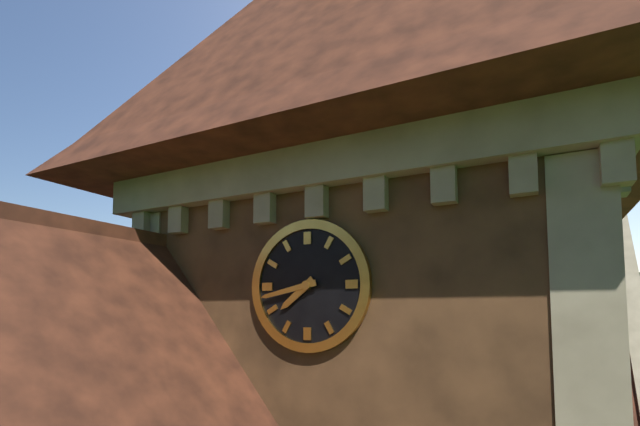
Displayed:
7,43
